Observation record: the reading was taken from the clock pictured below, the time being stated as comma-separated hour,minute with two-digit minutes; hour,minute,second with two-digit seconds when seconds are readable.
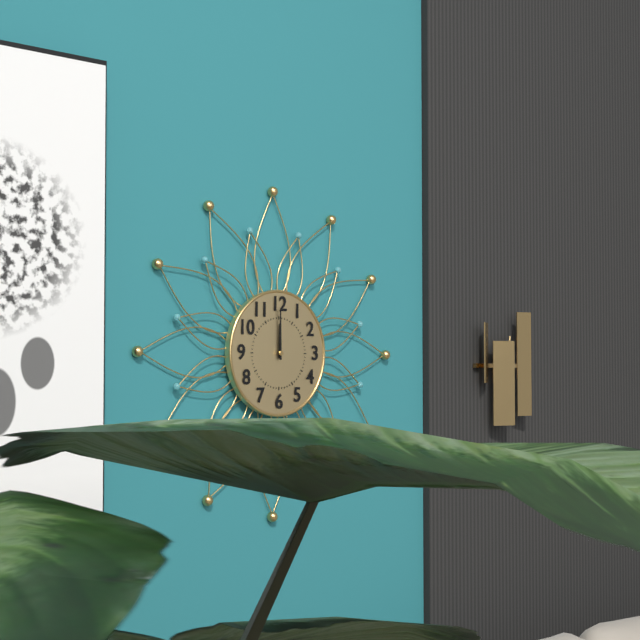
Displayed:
12,00
